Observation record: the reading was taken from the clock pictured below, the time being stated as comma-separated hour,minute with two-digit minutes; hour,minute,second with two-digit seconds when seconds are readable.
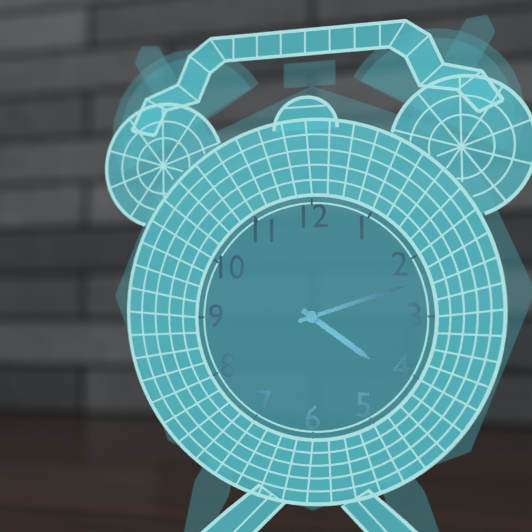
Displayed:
4,12
